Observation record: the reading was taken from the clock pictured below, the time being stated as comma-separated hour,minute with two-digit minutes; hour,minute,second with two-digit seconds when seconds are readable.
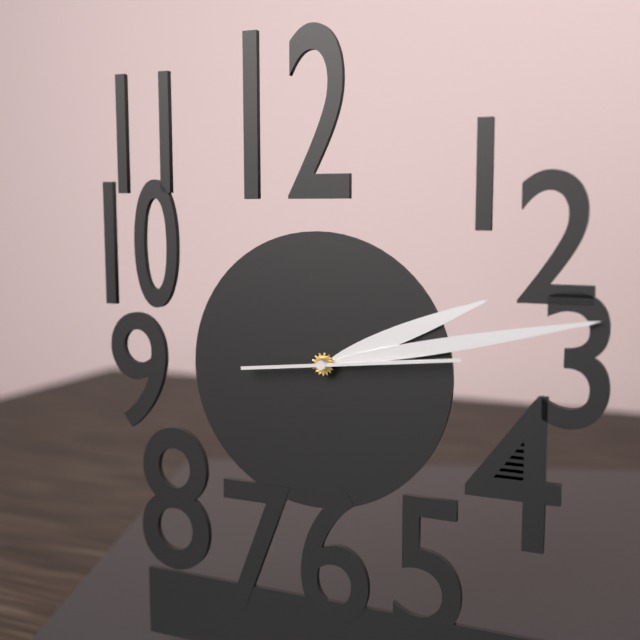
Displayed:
2,13,14
